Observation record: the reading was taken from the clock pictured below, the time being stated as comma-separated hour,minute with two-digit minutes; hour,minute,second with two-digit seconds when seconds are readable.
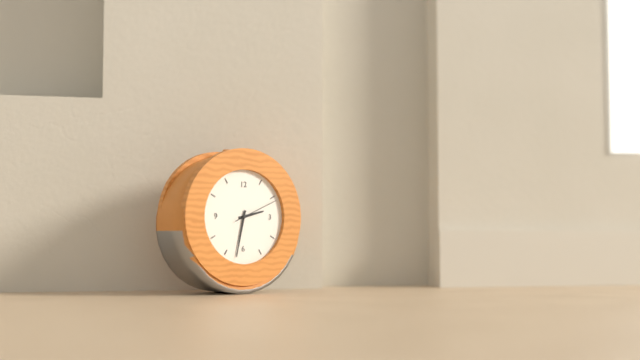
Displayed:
2,32
